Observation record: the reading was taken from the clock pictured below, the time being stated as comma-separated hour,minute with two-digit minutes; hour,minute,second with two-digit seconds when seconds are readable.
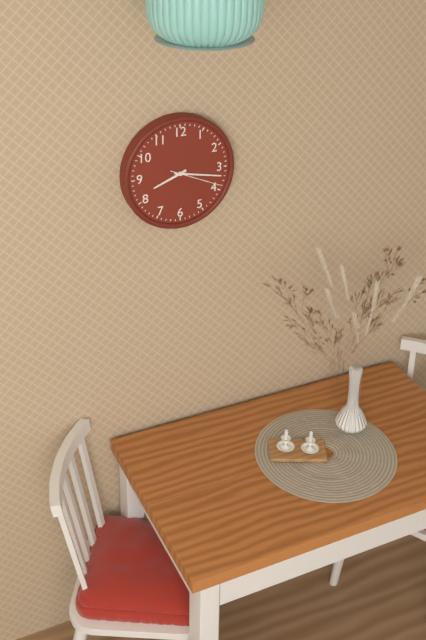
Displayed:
8,17,19
